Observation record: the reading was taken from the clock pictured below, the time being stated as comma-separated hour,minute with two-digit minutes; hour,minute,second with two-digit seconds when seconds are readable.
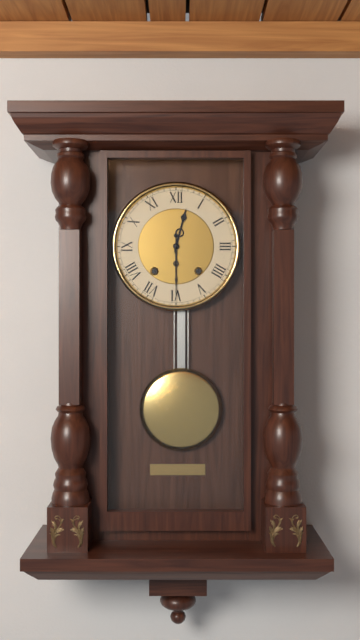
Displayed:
12,30
